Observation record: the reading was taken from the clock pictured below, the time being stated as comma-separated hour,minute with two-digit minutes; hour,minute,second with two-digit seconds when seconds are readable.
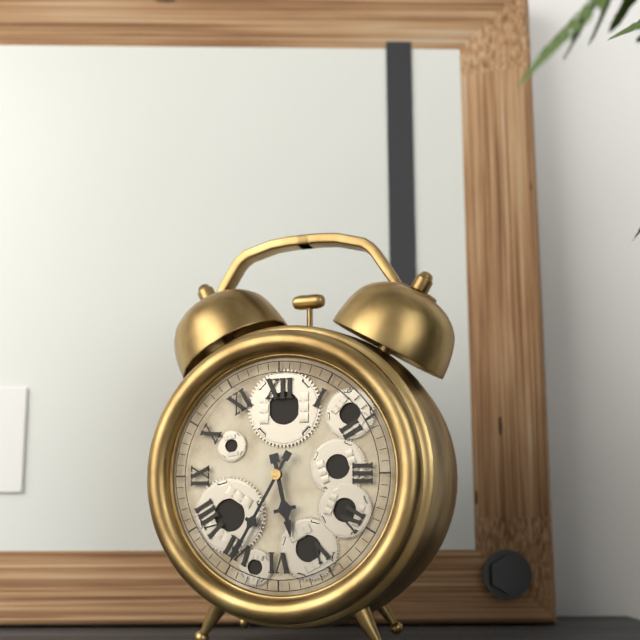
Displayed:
5,35
